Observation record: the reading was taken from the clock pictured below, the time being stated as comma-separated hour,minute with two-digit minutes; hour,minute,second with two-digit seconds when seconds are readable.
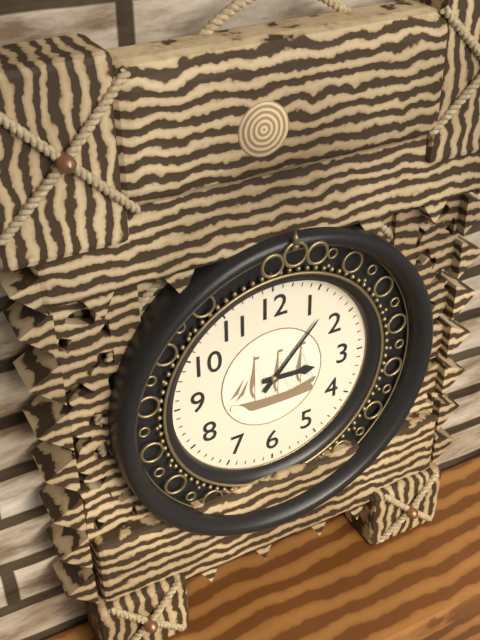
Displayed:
3,07
